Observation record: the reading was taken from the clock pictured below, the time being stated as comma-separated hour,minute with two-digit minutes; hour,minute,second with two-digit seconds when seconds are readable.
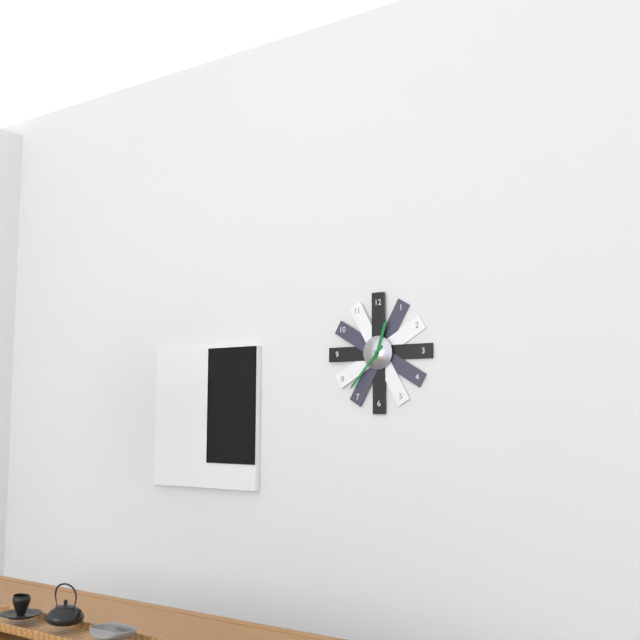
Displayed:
12,37
